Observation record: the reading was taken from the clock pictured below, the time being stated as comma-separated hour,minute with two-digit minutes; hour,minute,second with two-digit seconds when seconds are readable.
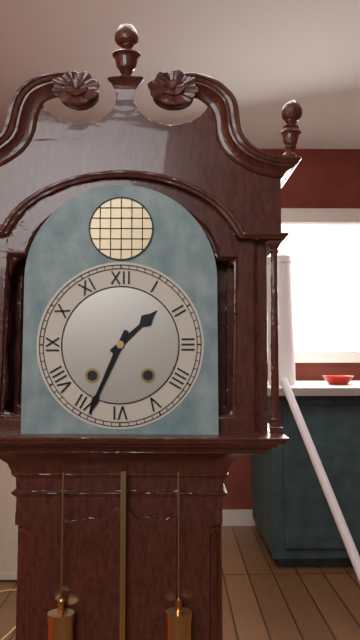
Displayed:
1,34
